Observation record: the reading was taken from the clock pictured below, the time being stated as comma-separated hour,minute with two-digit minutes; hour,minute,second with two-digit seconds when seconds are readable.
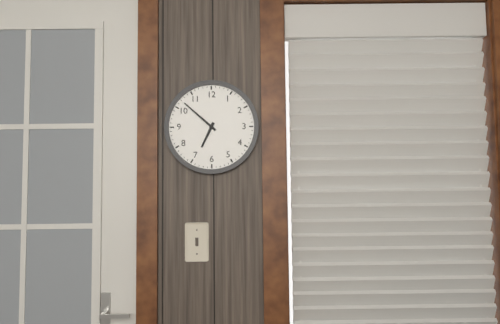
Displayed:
6,52
